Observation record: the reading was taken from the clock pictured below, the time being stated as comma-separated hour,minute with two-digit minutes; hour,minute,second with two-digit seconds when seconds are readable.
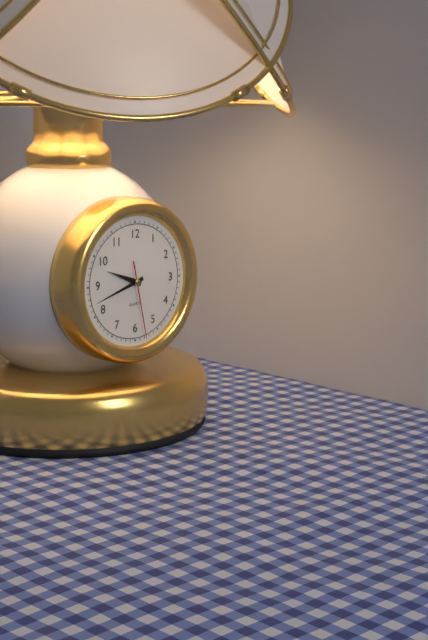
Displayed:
9,42,28
